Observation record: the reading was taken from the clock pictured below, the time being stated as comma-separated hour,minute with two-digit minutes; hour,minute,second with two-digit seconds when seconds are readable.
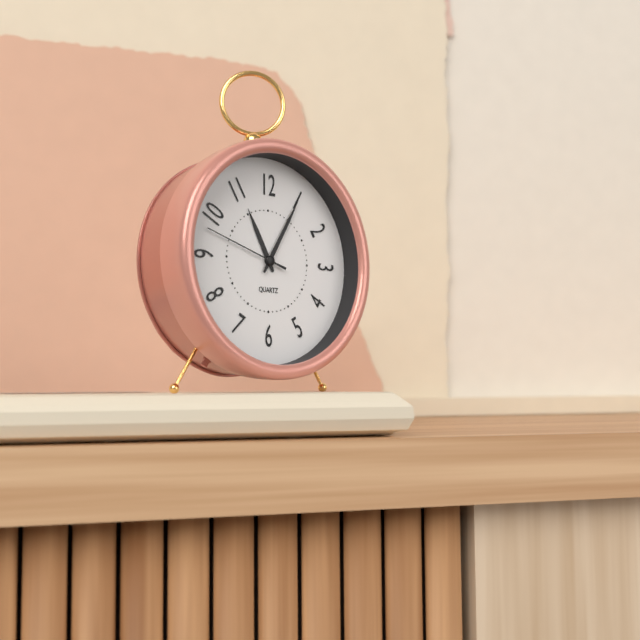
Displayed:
11,05,48
